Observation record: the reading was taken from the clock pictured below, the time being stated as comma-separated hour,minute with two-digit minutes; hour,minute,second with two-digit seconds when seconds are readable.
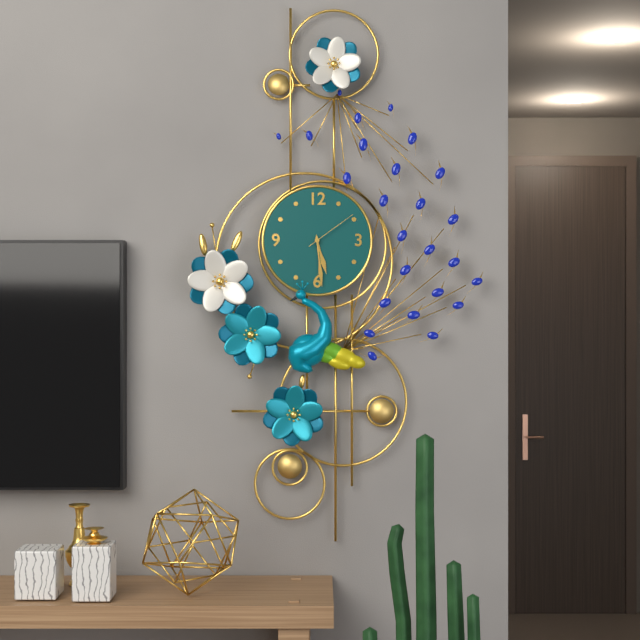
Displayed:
5,29,09
